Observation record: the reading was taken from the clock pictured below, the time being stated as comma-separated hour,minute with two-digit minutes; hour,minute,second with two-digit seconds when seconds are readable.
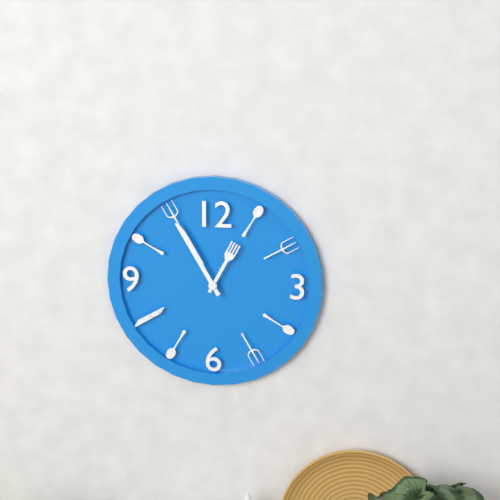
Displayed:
12,55
